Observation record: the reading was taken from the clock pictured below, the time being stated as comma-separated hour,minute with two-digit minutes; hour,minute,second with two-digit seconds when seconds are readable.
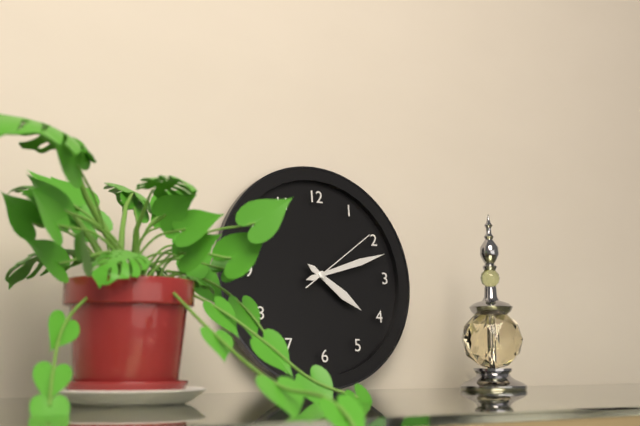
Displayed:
4,12,09
